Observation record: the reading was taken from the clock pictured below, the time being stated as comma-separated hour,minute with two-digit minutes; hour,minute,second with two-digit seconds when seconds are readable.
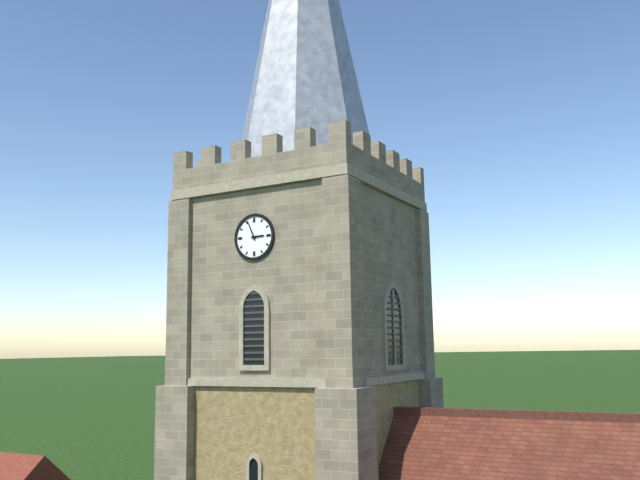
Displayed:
2,56
